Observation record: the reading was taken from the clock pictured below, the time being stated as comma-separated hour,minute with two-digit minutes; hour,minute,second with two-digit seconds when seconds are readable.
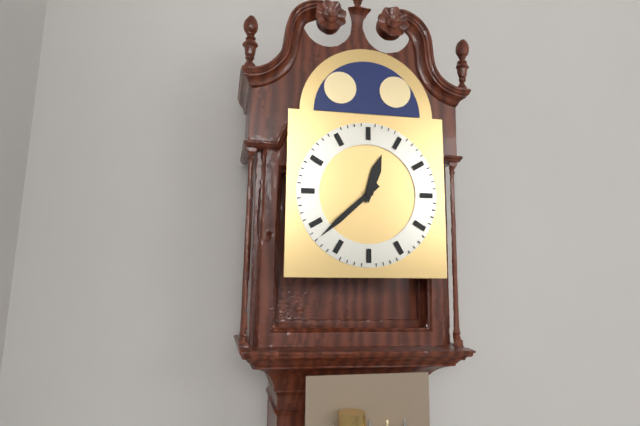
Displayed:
12,38
